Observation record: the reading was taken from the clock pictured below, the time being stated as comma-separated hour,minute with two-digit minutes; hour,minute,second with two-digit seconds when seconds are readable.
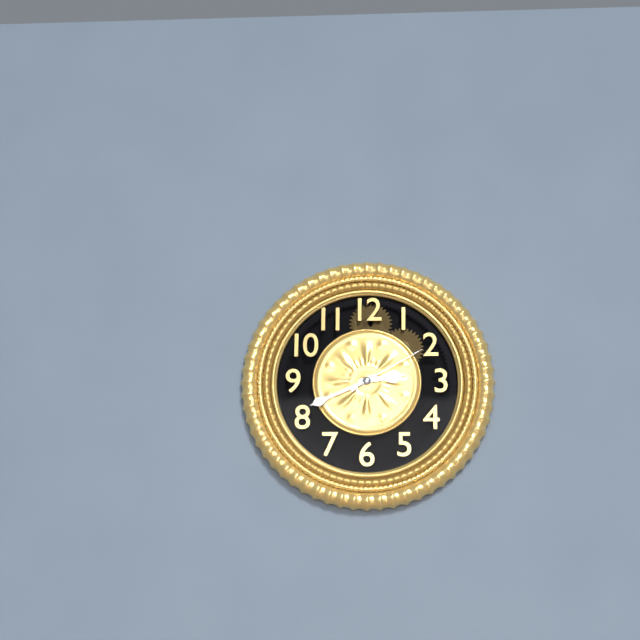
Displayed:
2,41,10
